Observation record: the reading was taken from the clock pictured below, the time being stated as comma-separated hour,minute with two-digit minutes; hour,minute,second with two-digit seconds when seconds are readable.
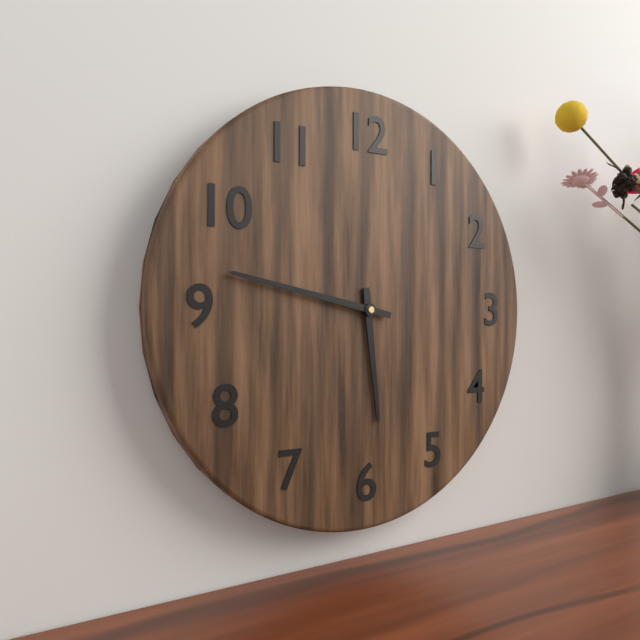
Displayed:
5,47
